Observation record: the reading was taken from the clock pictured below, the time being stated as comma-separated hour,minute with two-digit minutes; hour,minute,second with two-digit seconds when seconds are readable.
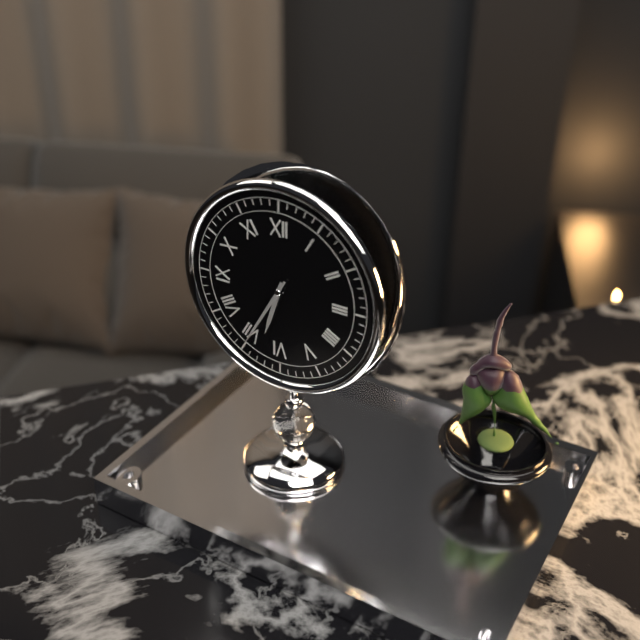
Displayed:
6,35
